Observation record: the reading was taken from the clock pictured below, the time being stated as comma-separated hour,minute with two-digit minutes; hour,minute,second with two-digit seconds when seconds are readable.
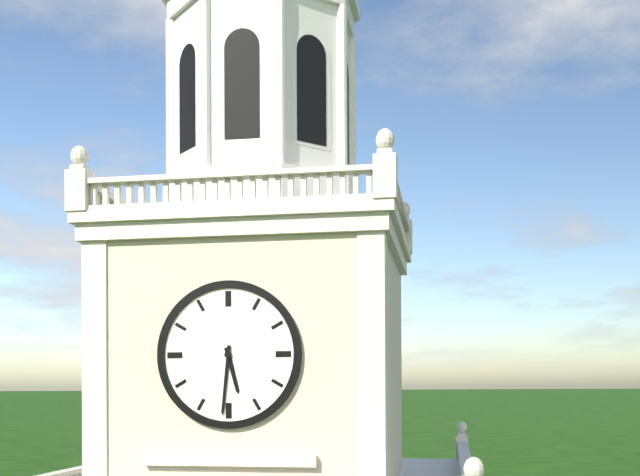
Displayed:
5,31
